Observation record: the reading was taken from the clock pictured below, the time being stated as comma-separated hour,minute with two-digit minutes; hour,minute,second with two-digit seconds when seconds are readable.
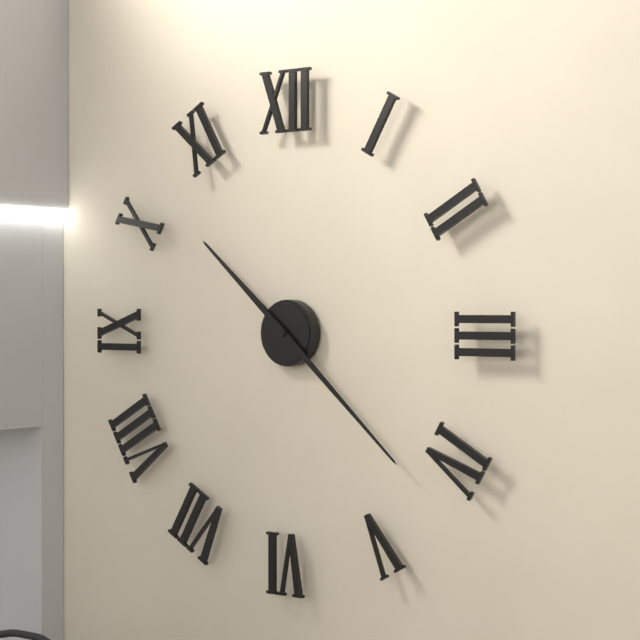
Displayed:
10,22
